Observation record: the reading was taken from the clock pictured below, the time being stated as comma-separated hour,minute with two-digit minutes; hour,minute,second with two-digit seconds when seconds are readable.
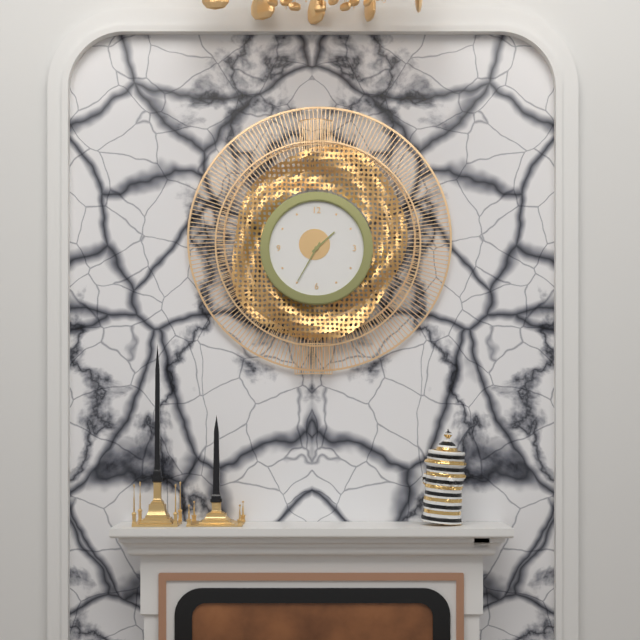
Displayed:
1,35
